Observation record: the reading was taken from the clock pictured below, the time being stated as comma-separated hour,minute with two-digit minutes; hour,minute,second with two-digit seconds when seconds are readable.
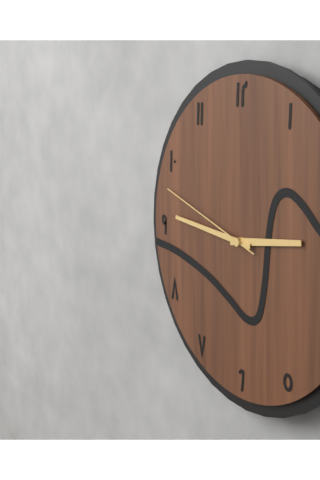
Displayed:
2,46,48
